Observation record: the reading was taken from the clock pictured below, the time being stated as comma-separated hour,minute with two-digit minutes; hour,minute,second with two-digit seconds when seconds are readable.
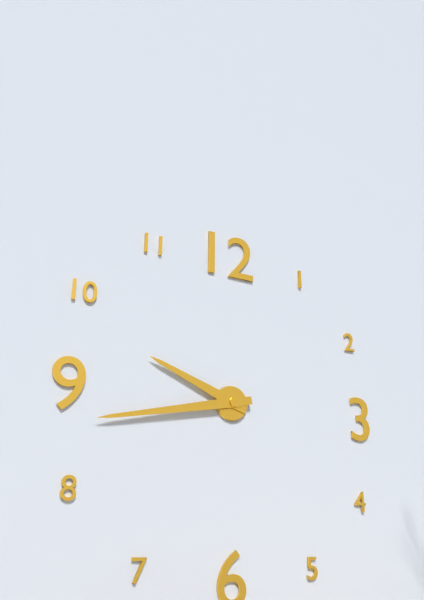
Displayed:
9,43
